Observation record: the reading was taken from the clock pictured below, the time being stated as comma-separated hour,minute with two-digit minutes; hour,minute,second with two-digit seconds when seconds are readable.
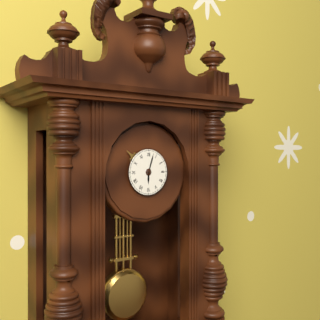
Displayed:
6,03
